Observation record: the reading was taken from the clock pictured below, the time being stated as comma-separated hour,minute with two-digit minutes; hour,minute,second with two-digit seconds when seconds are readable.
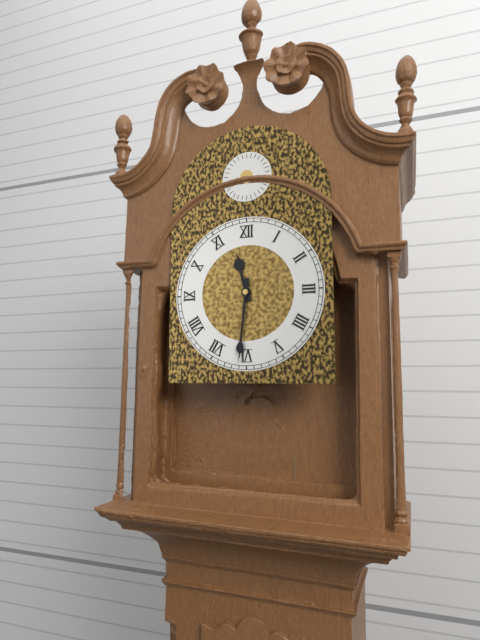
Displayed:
11,31
